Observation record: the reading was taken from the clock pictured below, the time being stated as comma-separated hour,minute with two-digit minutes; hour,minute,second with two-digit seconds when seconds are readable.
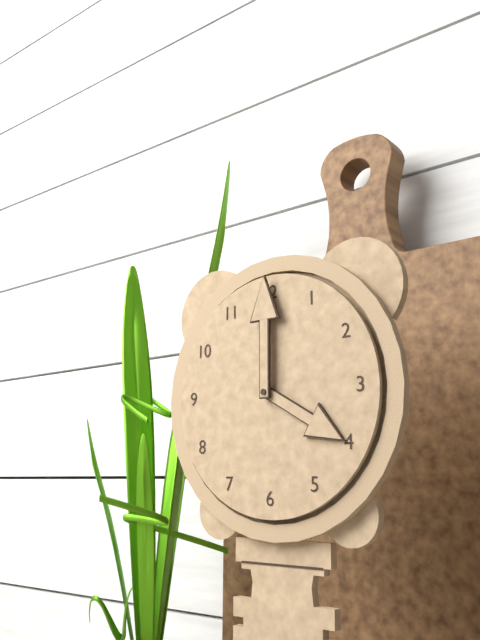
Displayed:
4,00
